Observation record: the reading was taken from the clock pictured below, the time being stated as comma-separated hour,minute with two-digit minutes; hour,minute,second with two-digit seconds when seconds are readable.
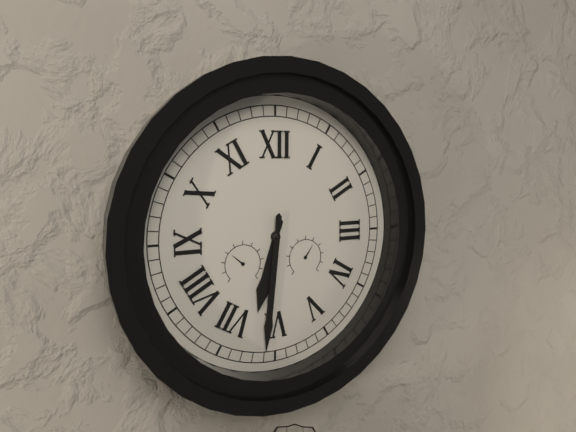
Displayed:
6,31
